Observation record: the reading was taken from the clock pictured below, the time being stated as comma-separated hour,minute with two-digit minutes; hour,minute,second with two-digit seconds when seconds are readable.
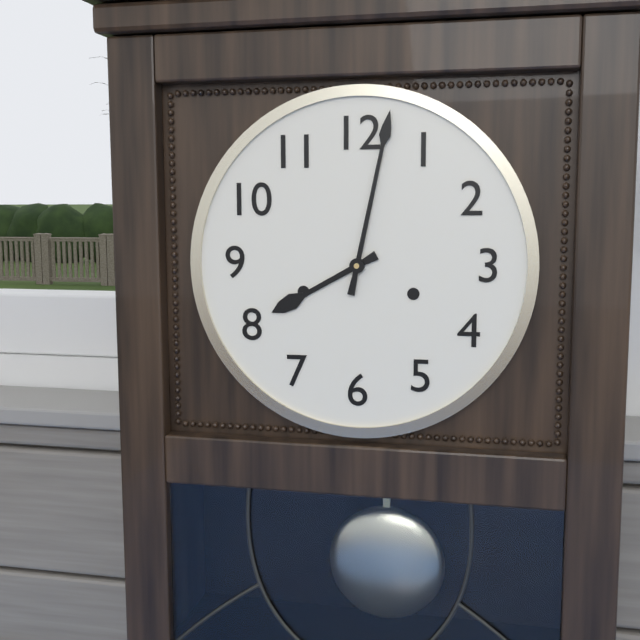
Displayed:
8,02
